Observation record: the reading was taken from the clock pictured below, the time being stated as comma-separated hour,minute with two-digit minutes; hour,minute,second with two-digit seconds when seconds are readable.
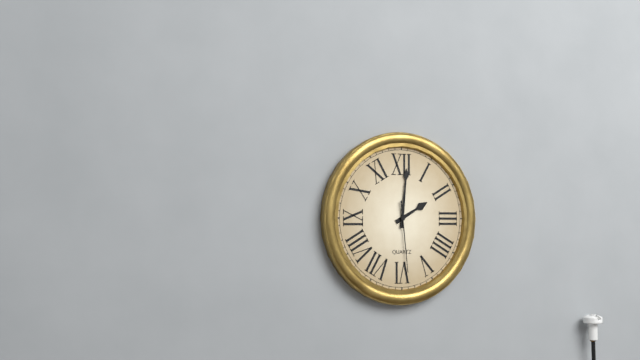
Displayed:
2,01,29
